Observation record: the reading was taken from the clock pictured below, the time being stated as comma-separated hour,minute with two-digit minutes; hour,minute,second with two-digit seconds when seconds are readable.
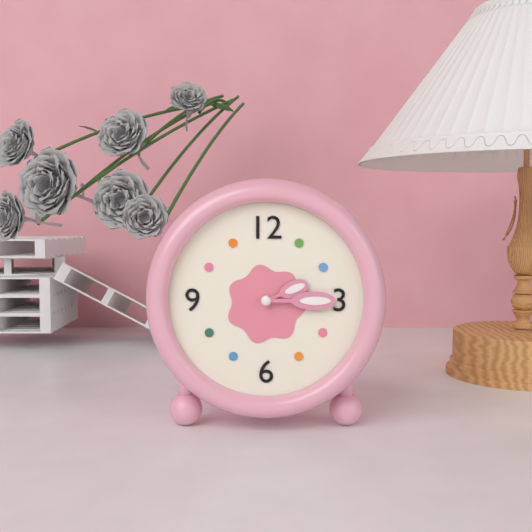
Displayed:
2,15
